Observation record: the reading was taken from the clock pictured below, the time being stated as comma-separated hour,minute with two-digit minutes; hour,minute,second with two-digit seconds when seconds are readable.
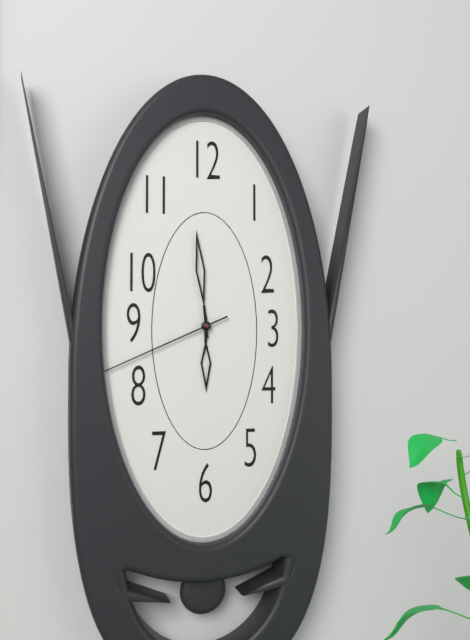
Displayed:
5,59,41
